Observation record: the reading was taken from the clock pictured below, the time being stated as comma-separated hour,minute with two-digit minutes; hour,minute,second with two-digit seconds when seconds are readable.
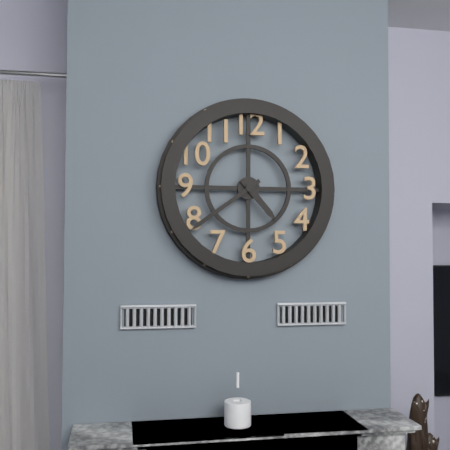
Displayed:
4,39
